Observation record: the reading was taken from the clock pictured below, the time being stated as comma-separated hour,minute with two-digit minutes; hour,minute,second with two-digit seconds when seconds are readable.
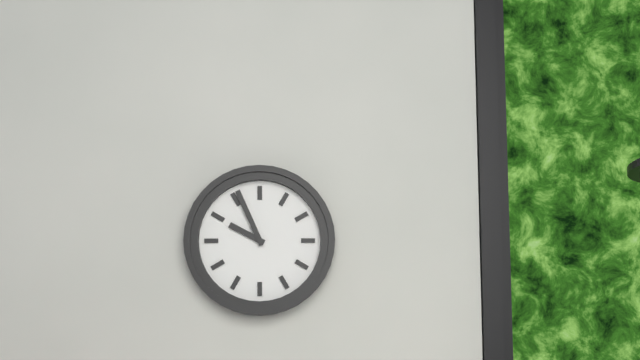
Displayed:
9,56
